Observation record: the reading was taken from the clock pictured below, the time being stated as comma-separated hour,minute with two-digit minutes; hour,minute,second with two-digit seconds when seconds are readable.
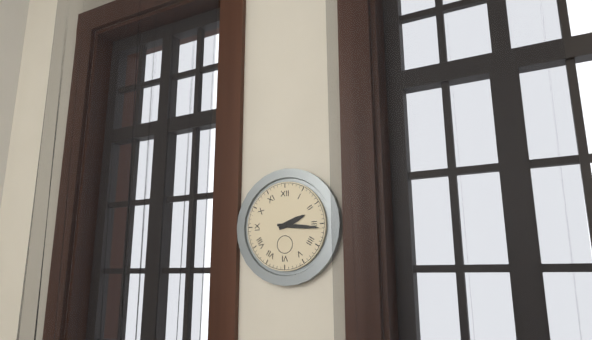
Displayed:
2,16
